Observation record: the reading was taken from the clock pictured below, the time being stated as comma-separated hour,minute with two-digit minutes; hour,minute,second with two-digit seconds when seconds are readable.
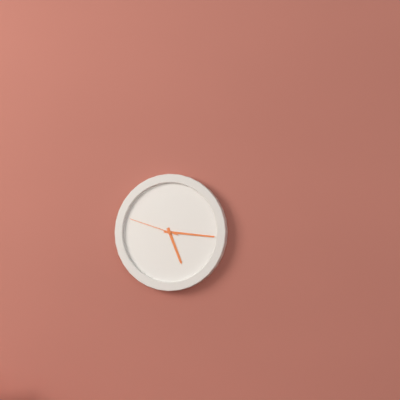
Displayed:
5,16,48
